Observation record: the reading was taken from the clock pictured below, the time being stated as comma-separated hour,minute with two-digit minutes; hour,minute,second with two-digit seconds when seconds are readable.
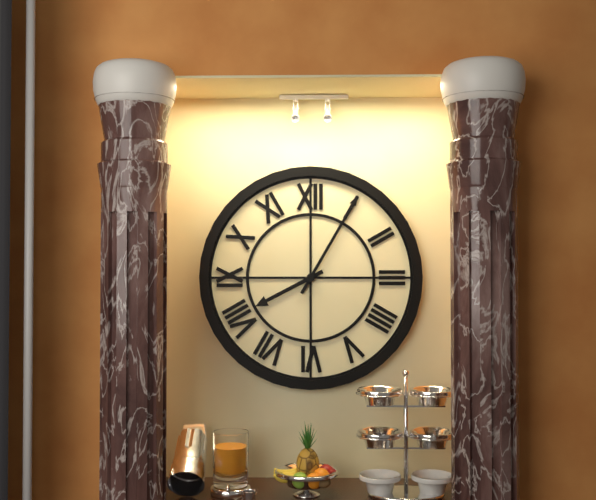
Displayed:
8,05
